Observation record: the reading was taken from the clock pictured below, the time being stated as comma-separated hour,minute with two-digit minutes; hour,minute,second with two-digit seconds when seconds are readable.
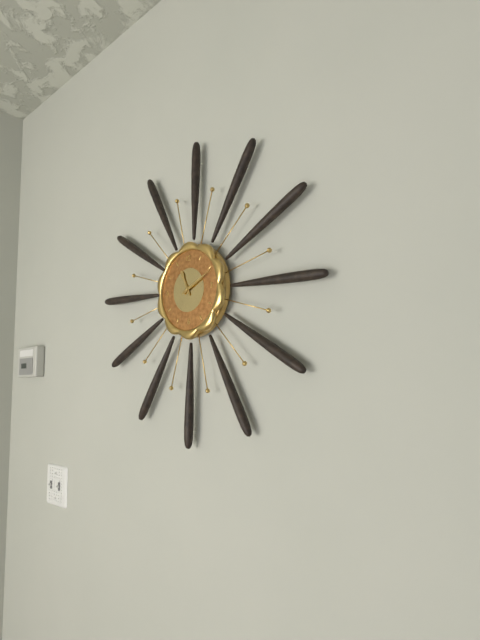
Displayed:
11,11
